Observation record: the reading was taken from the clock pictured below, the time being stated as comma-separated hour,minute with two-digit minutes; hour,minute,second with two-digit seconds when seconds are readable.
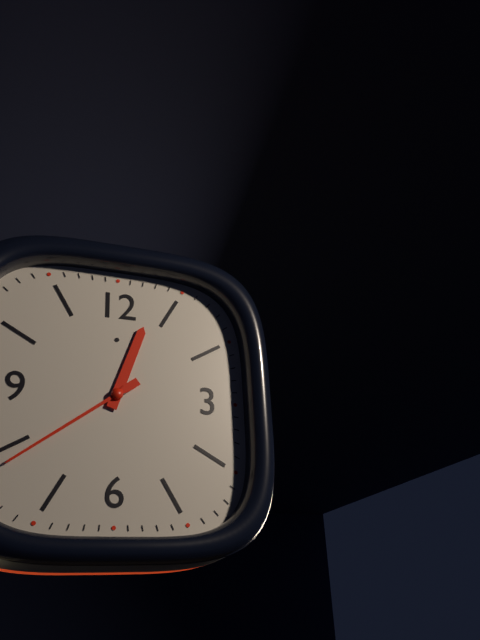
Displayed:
12,39
